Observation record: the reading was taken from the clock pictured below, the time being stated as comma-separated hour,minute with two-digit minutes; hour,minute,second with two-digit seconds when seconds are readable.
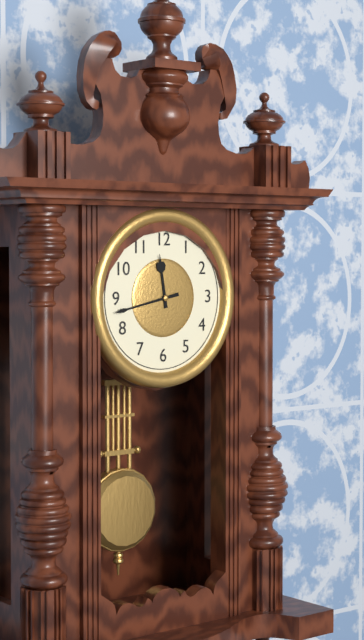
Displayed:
11,43
